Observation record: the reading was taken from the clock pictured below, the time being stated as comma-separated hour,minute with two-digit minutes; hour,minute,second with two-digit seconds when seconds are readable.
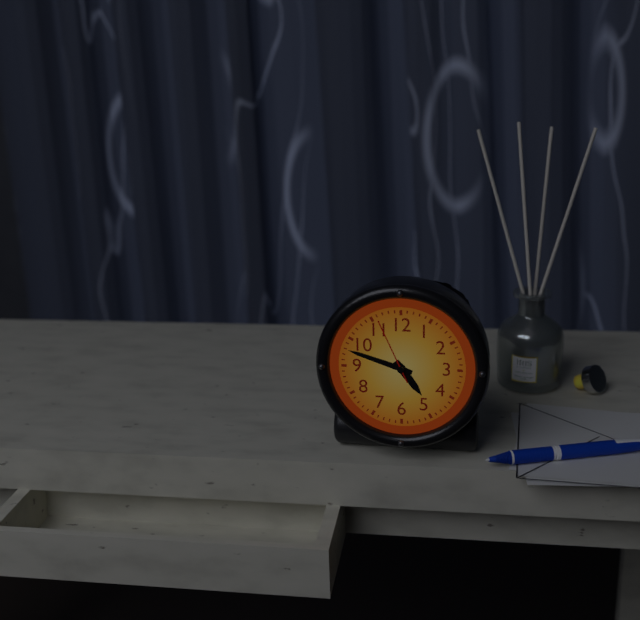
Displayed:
4,48,56
